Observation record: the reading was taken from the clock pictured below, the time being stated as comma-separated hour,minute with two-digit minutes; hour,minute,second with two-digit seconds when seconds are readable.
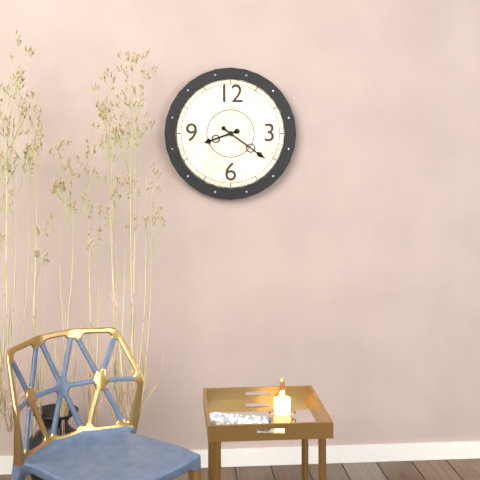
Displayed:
8,21
